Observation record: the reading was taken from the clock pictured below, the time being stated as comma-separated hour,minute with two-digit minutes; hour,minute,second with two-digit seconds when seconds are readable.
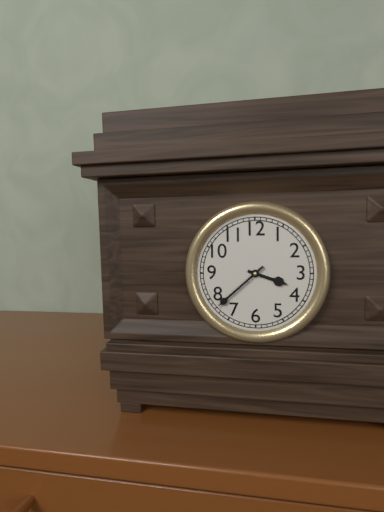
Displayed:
3,38
